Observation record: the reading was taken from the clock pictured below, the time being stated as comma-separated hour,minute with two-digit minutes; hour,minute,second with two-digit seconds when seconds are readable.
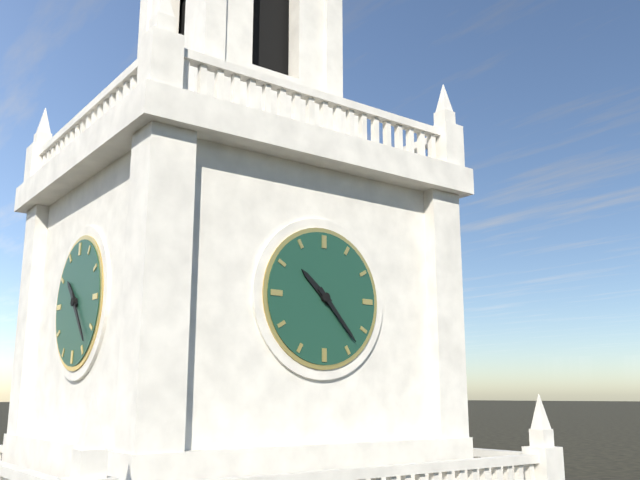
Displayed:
10,23
